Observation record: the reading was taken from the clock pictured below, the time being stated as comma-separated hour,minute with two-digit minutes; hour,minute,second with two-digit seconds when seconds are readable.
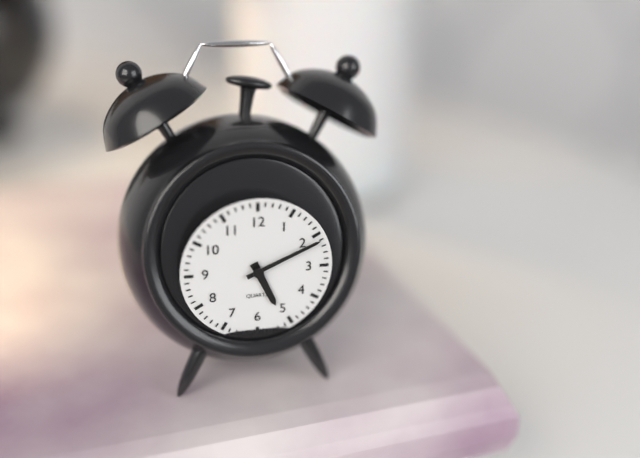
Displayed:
5,11
